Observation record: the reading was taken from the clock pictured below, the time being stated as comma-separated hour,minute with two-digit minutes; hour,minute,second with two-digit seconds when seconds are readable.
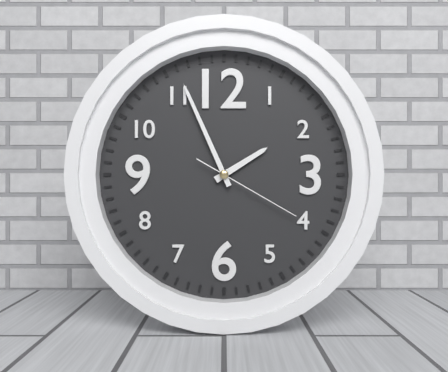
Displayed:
1,56,20
